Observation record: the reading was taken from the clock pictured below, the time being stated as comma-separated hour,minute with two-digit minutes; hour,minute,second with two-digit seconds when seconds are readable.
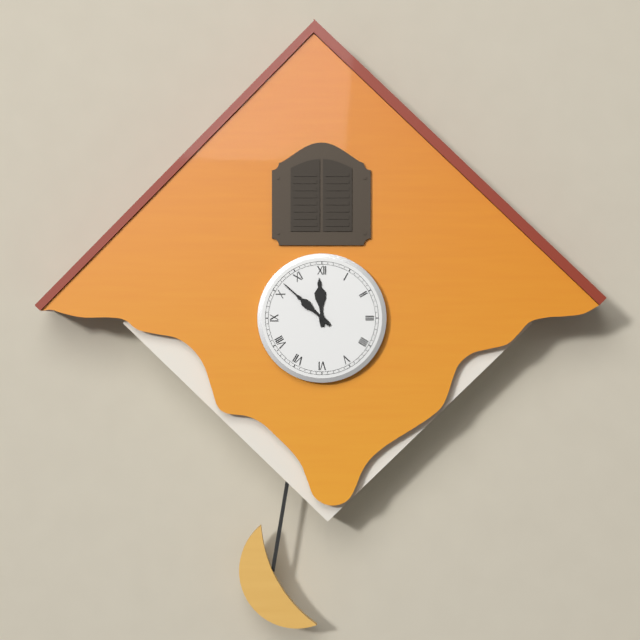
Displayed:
11,52
